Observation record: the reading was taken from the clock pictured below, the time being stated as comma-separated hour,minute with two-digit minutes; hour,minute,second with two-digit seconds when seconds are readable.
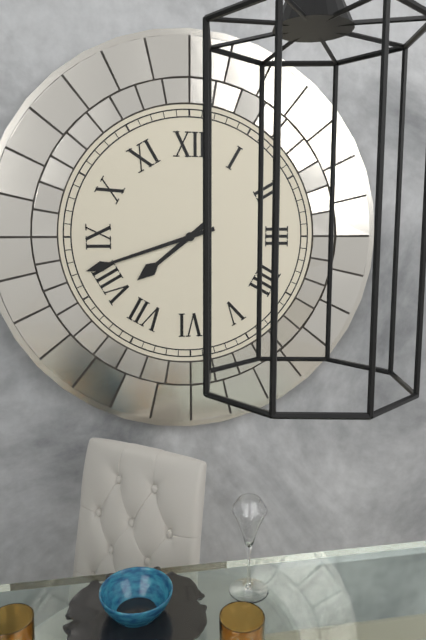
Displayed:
7,42
